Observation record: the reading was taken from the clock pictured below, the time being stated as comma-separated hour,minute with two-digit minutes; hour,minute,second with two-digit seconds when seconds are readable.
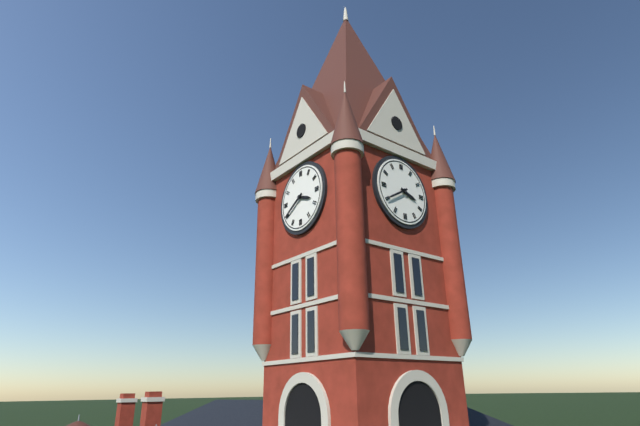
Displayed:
3,40
